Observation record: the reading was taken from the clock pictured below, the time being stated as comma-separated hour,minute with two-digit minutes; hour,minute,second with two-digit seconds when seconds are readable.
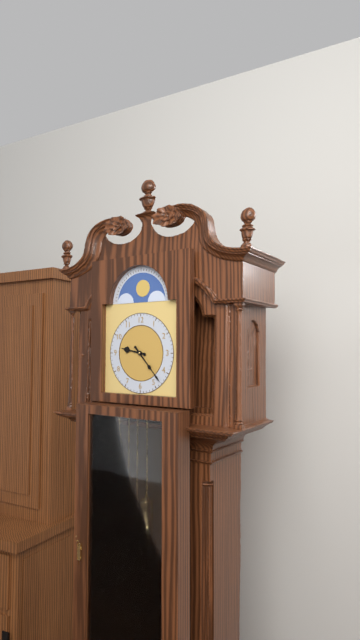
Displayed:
9,23
